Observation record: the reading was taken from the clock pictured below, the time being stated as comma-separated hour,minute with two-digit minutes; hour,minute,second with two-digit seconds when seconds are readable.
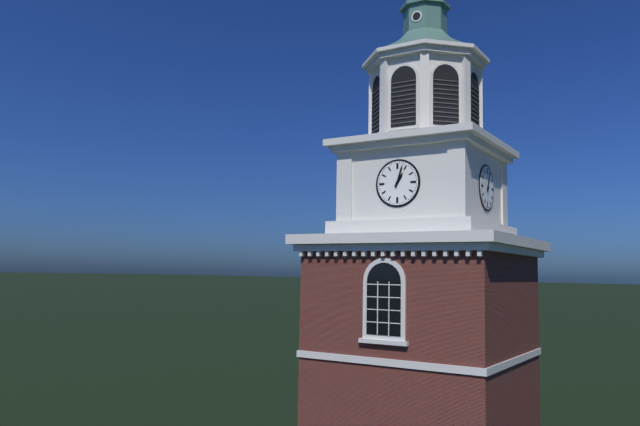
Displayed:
1,03
